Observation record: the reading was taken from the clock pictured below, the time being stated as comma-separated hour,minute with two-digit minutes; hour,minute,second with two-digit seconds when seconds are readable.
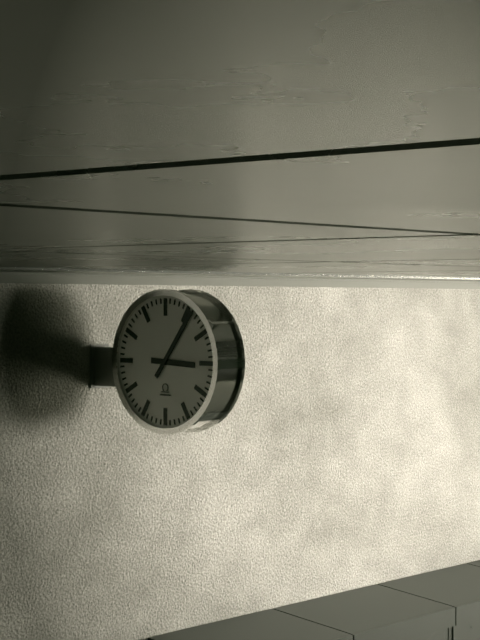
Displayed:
3,06
